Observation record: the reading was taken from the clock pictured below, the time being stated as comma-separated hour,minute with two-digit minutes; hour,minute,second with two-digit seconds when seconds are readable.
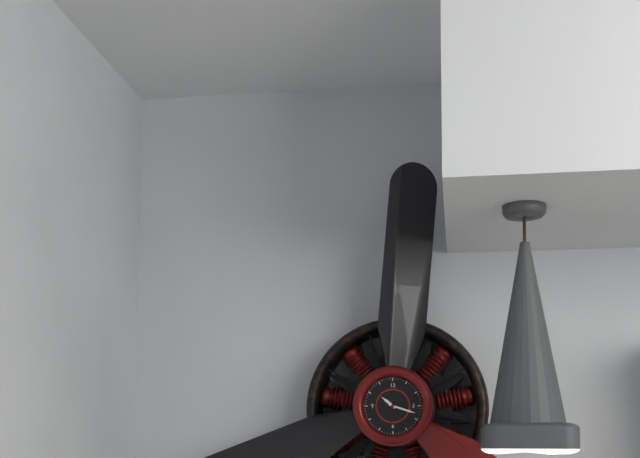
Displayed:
10,18
